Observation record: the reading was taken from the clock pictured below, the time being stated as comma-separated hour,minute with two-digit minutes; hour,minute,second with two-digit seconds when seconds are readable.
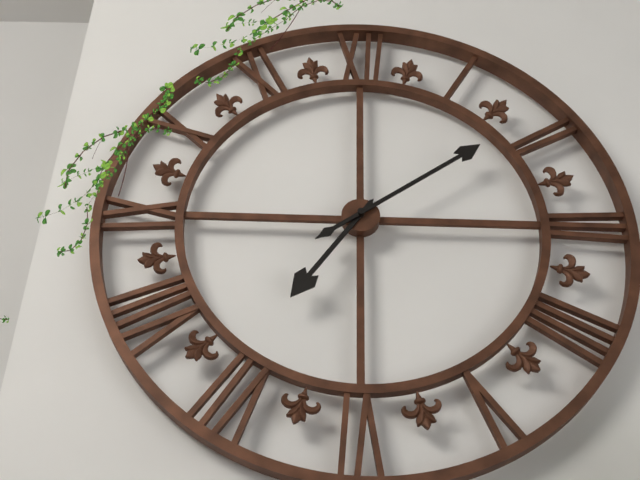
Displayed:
7,09
